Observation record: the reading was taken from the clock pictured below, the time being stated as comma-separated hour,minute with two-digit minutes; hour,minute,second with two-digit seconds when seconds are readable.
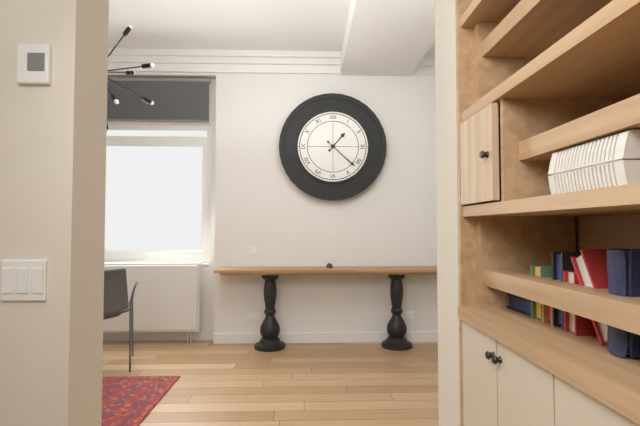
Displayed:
1,22
